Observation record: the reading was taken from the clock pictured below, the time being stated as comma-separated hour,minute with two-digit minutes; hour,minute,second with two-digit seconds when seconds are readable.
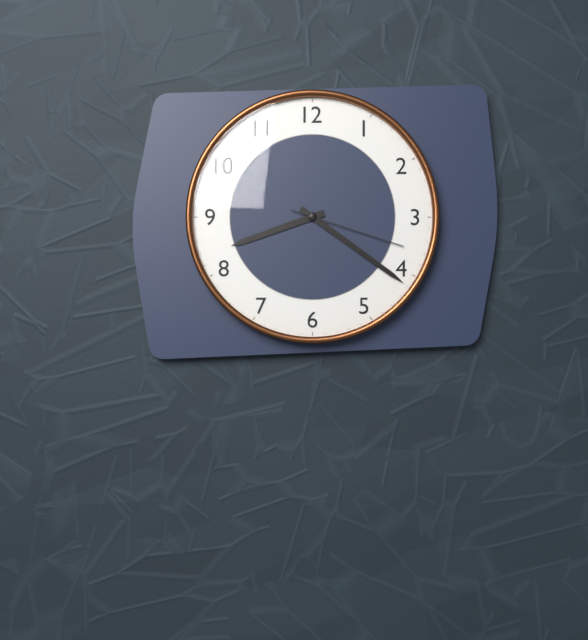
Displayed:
8,21,18
